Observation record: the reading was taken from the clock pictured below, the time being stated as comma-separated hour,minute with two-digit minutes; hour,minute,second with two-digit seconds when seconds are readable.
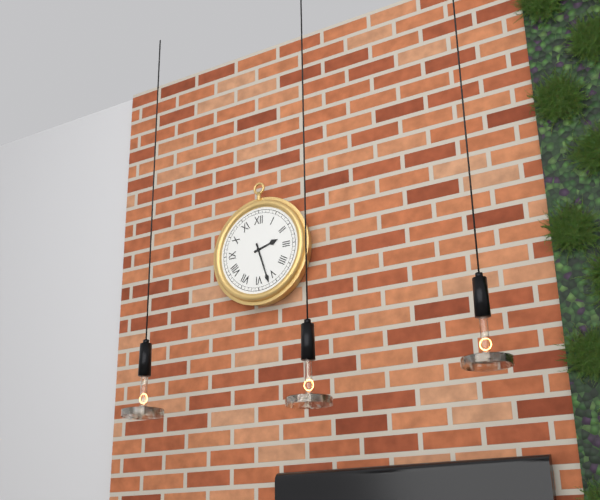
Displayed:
2,27
